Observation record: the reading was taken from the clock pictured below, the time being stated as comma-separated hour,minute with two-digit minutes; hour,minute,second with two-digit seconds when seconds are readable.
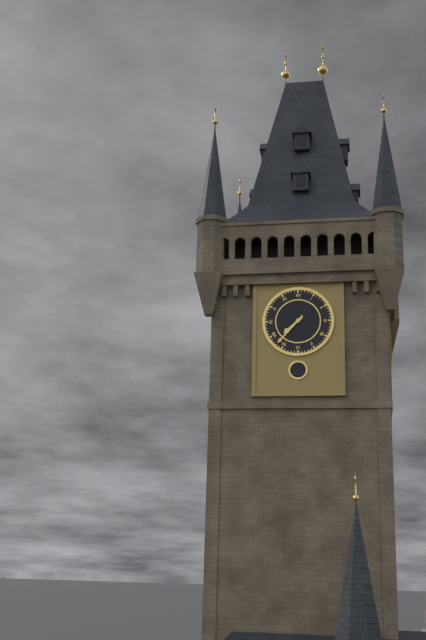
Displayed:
7,37
